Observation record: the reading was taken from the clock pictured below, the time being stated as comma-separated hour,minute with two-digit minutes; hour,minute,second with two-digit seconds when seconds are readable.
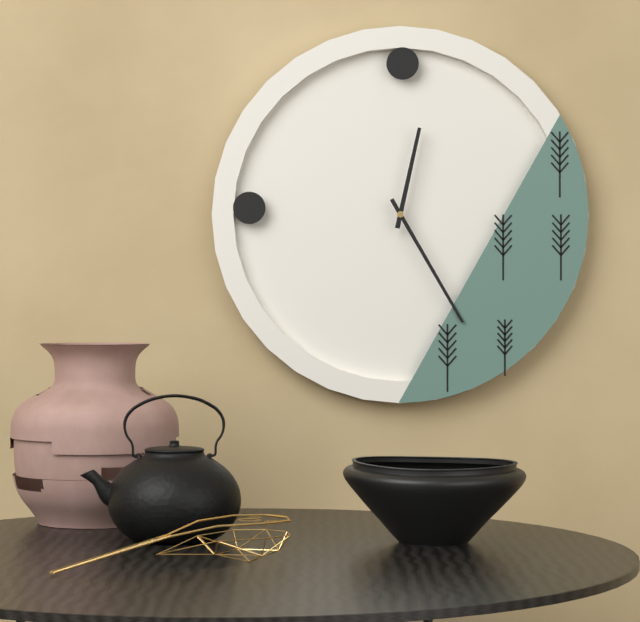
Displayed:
12,25
